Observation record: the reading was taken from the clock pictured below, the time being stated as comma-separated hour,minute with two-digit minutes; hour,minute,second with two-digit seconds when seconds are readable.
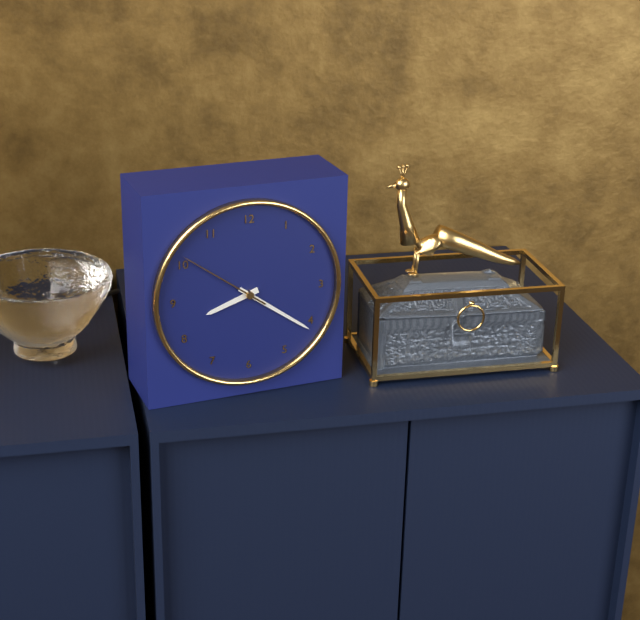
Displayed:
8,21,51
